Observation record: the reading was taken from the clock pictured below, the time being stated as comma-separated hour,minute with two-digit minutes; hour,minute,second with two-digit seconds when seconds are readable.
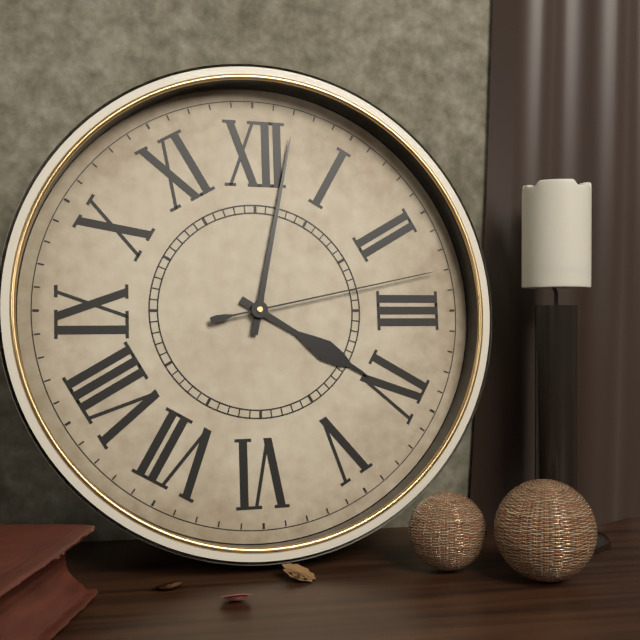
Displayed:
4,02,13
